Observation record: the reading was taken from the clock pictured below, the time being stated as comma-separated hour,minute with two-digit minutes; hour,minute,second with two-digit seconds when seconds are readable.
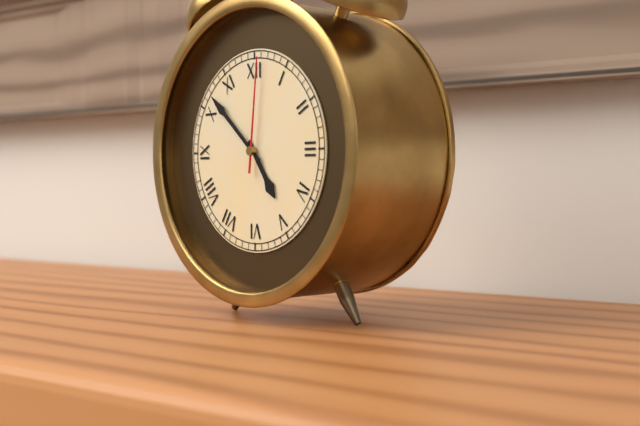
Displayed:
4,52,01
